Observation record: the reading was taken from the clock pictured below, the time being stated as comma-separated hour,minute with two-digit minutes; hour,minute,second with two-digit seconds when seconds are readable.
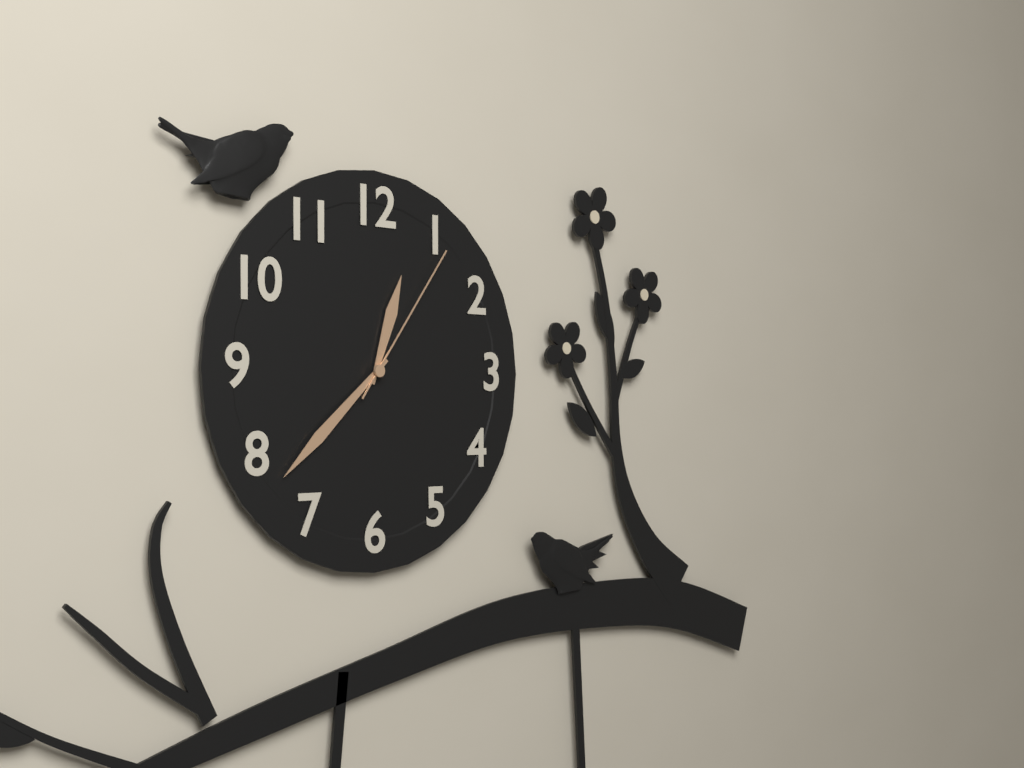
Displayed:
12,38,06
